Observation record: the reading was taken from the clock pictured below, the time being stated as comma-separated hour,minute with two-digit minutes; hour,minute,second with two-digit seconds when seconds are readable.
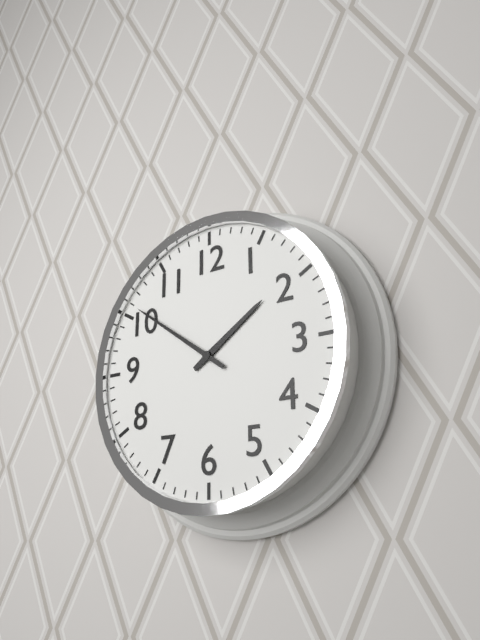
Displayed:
1,51
